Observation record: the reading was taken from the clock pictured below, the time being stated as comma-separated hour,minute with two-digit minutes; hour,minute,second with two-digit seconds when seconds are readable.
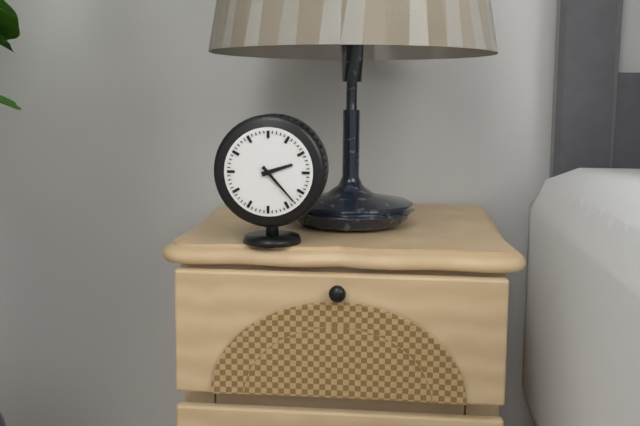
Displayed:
2,23
